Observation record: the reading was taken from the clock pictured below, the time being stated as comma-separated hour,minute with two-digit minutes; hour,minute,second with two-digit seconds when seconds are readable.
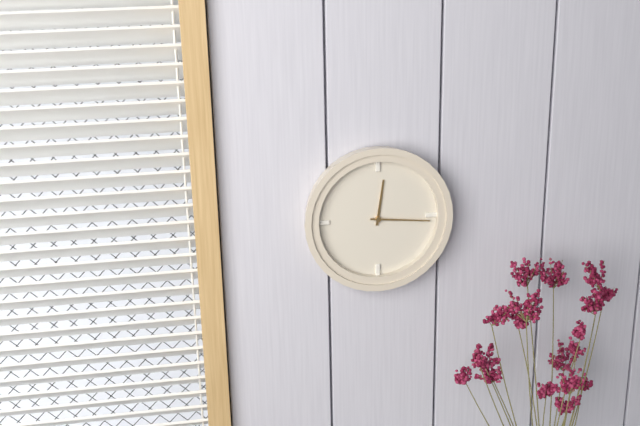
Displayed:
12,16
